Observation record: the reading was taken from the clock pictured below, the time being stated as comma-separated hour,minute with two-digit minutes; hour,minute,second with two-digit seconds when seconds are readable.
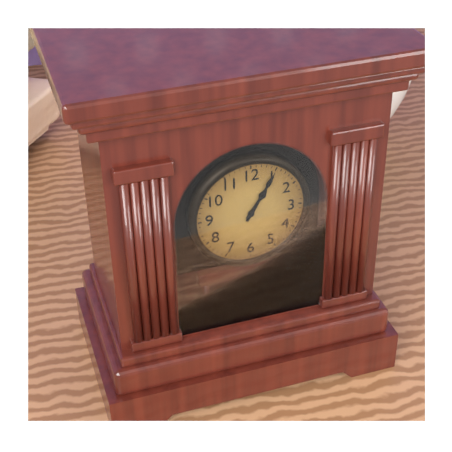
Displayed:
1,05
